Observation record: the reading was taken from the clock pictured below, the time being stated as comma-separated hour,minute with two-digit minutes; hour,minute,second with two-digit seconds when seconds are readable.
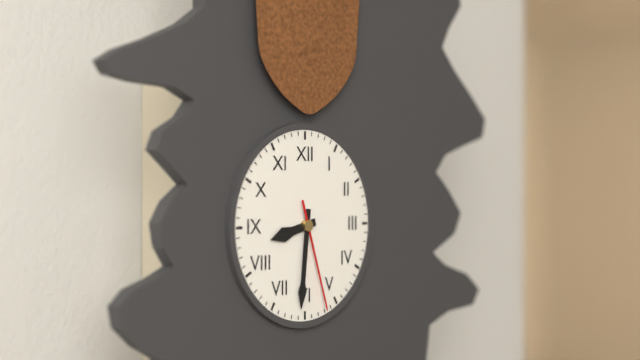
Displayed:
8,31,27
